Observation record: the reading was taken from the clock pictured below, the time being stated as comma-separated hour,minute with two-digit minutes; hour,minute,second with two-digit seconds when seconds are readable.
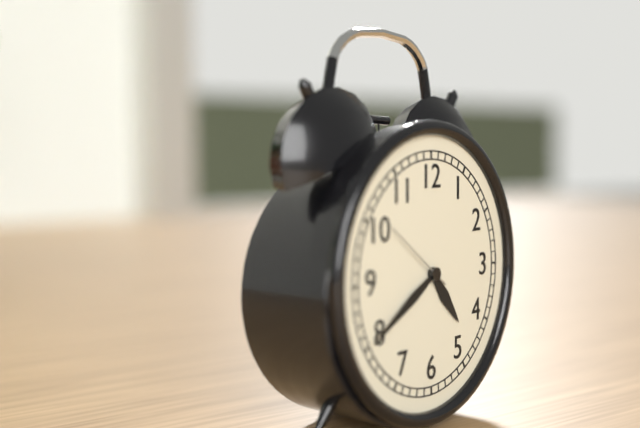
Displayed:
4,40,51
